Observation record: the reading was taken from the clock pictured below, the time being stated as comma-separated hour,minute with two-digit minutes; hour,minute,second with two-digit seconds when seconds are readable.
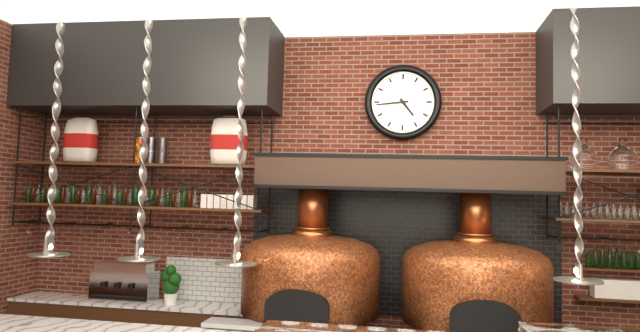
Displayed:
4,44
